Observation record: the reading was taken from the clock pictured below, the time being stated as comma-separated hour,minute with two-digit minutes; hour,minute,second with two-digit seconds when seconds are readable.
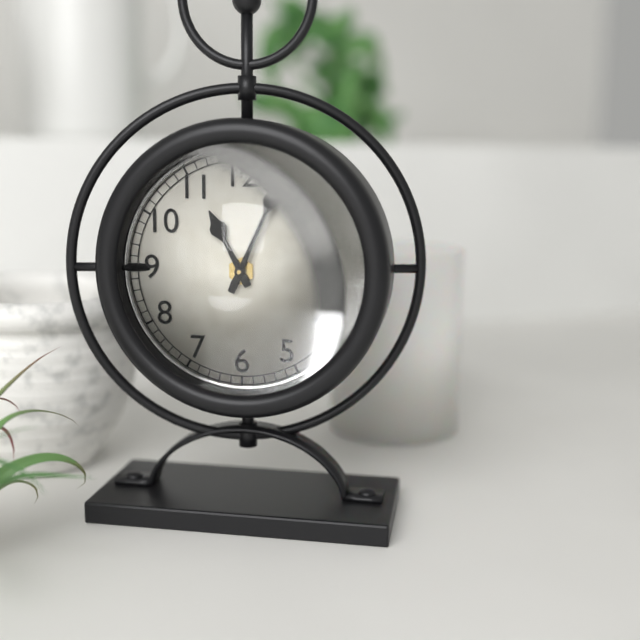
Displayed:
11,04
